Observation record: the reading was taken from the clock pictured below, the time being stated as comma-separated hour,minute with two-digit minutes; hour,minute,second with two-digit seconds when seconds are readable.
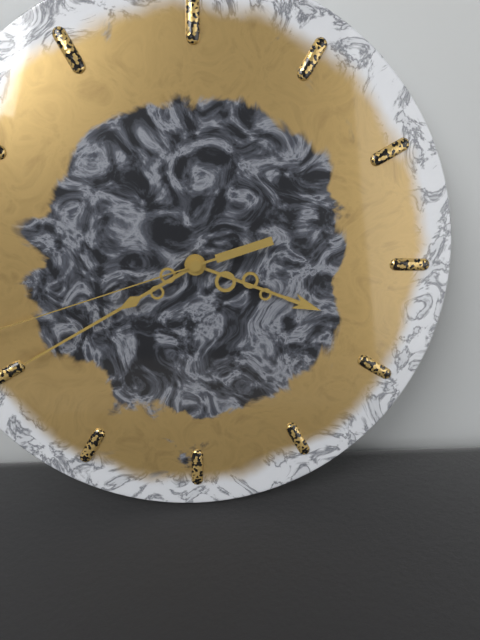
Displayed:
3,40
